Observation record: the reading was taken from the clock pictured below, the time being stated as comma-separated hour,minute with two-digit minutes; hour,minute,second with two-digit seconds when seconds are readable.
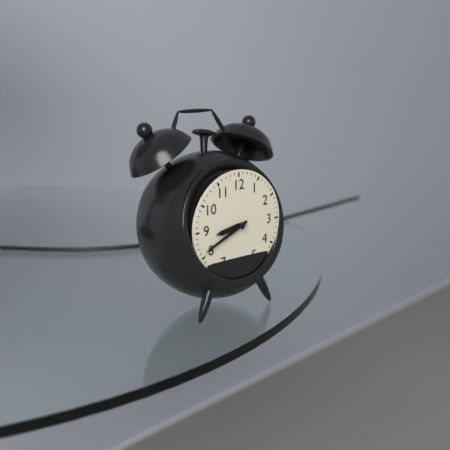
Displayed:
8,41
